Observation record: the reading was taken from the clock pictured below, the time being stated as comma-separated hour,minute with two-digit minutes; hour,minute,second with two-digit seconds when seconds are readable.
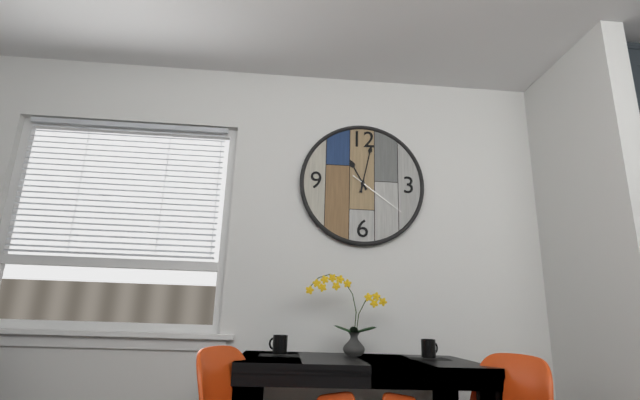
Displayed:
11,02,21
